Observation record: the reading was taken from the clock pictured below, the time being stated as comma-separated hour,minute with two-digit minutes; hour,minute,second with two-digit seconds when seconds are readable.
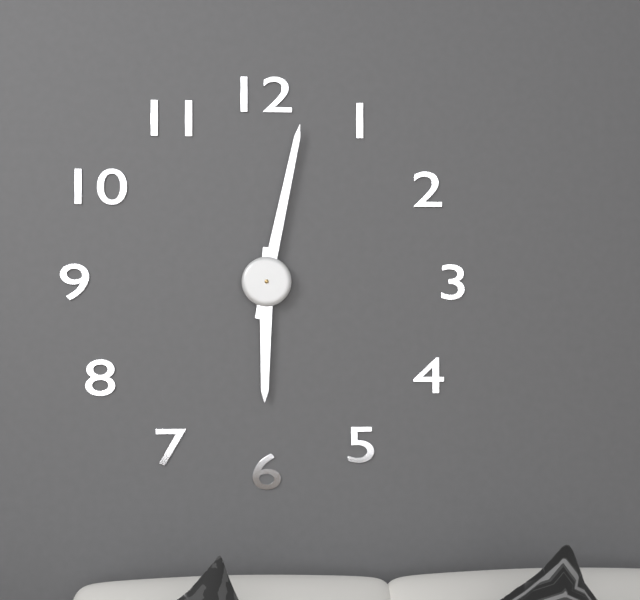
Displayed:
6,02
